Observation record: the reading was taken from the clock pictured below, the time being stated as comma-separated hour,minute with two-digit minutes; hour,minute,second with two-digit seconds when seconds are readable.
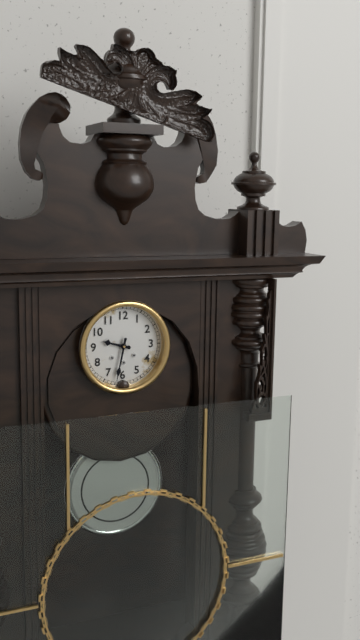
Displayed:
9,32
